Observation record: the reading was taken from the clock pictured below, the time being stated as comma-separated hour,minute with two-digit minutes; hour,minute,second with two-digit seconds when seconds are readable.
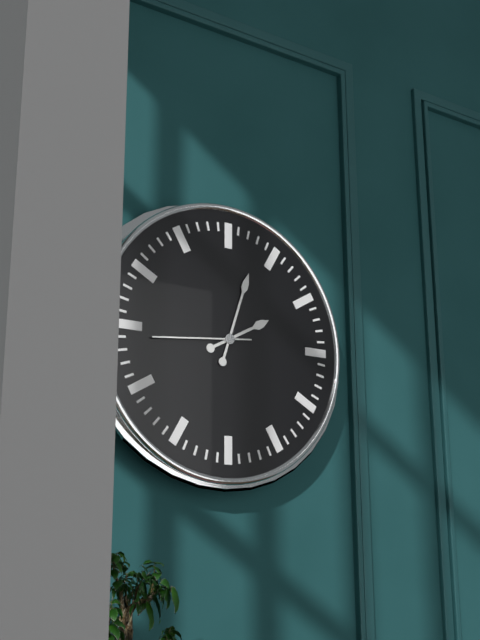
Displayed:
2,03,44
